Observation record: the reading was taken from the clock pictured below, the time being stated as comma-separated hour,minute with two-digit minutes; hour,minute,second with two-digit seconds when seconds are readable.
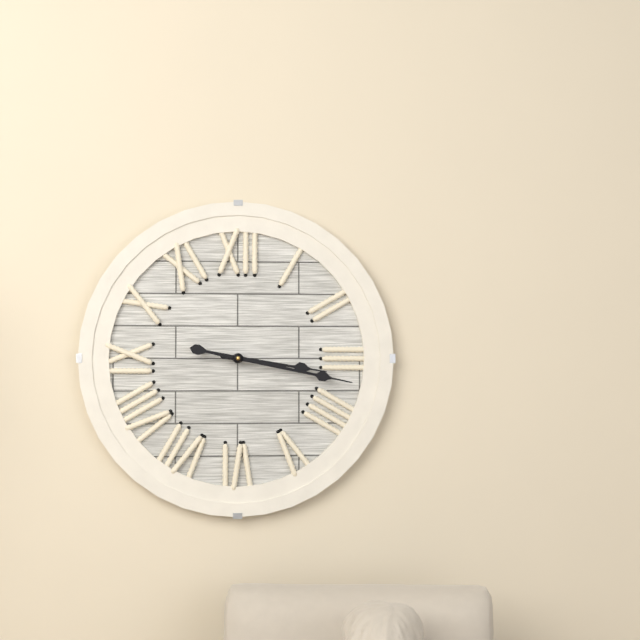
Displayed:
3,17
